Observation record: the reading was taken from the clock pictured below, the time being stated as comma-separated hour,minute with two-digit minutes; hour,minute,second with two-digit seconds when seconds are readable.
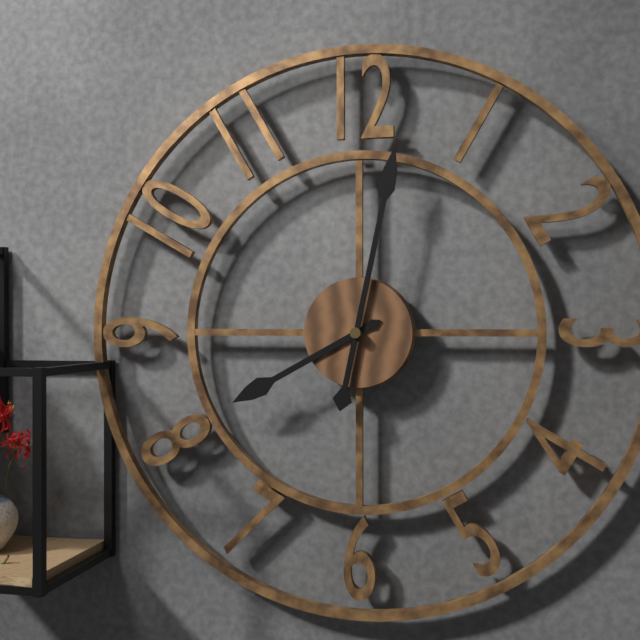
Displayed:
8,02
